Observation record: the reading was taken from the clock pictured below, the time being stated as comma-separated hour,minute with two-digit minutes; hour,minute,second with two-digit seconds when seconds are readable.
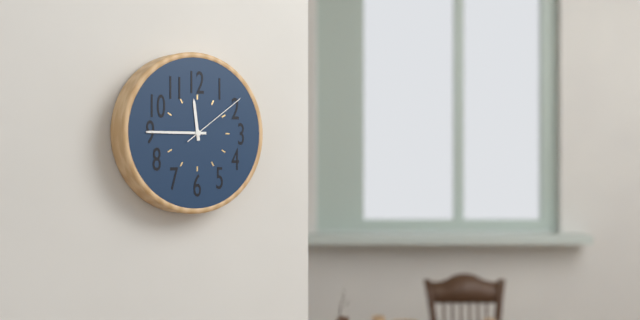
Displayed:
11,45,09
